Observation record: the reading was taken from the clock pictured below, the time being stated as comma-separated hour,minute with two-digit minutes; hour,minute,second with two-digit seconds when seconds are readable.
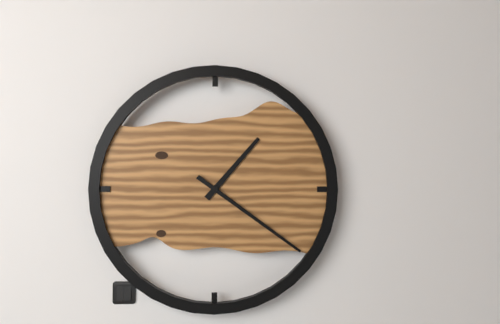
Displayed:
1,21
